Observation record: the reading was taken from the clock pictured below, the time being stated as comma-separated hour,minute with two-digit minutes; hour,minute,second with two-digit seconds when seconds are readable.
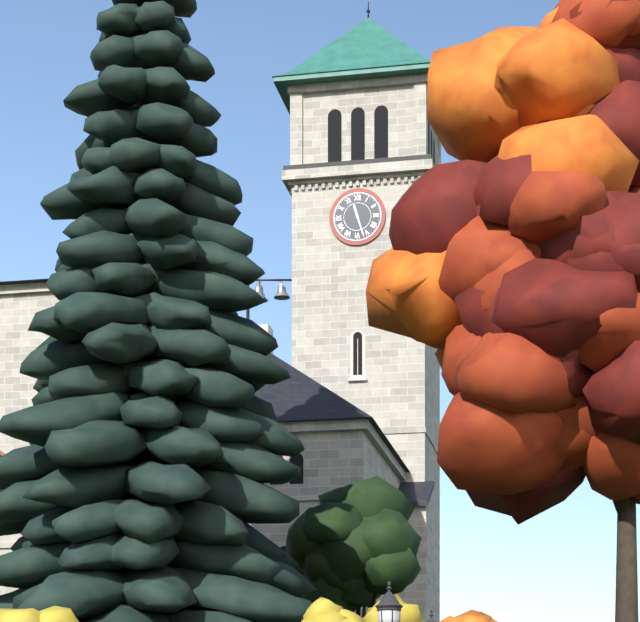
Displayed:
11,27
